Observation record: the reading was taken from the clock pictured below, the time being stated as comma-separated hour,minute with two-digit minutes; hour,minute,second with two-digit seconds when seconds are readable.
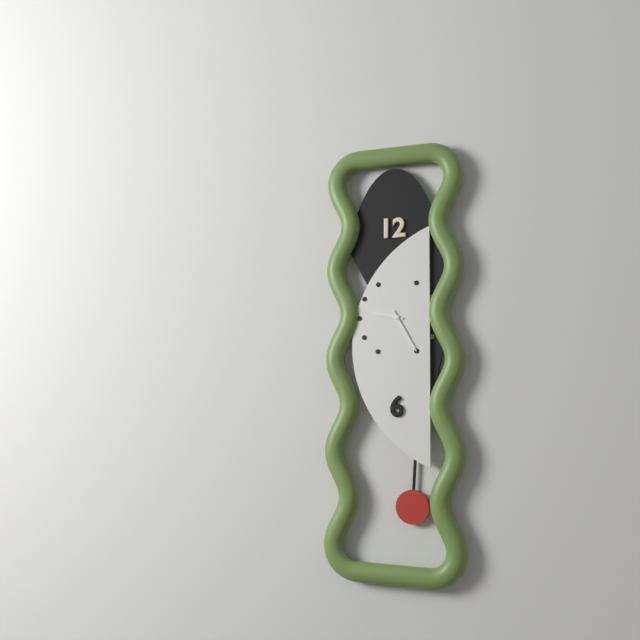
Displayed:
9,25
